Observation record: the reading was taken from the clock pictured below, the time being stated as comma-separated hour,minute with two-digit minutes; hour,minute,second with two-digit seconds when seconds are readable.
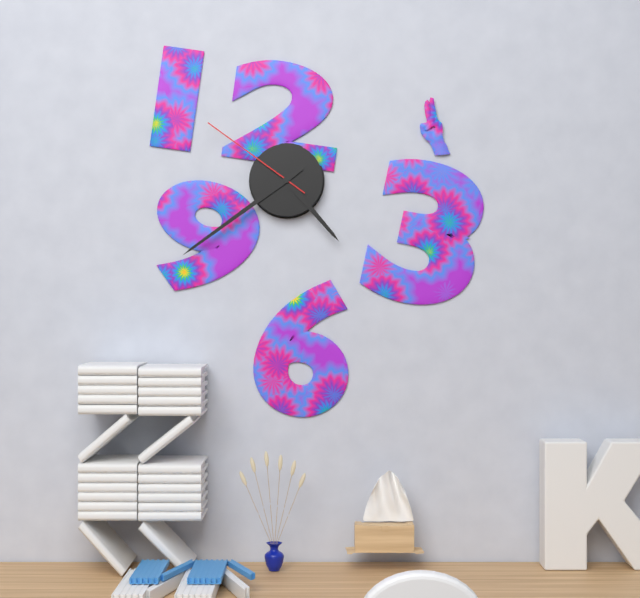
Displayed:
4,39,51
